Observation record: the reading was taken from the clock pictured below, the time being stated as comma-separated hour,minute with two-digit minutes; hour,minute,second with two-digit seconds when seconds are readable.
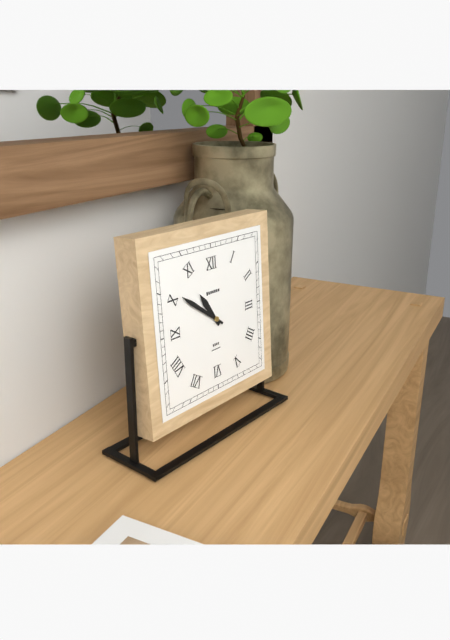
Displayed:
10,51
